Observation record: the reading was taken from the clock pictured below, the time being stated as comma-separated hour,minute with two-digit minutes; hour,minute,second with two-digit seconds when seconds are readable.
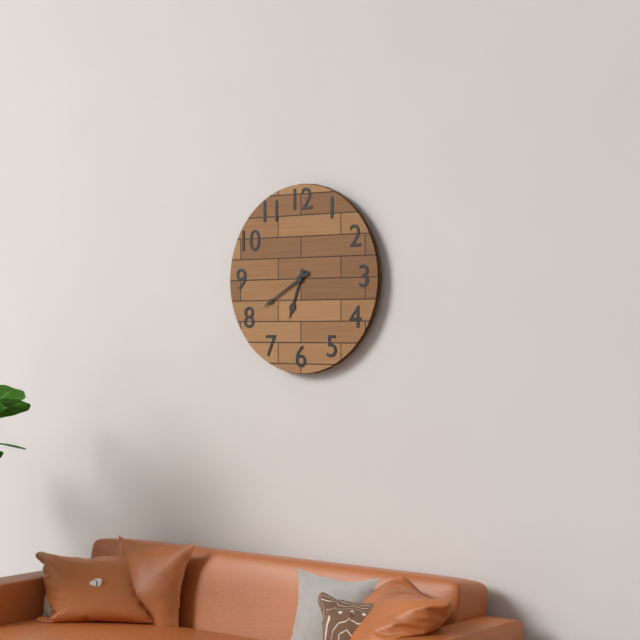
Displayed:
6,40
